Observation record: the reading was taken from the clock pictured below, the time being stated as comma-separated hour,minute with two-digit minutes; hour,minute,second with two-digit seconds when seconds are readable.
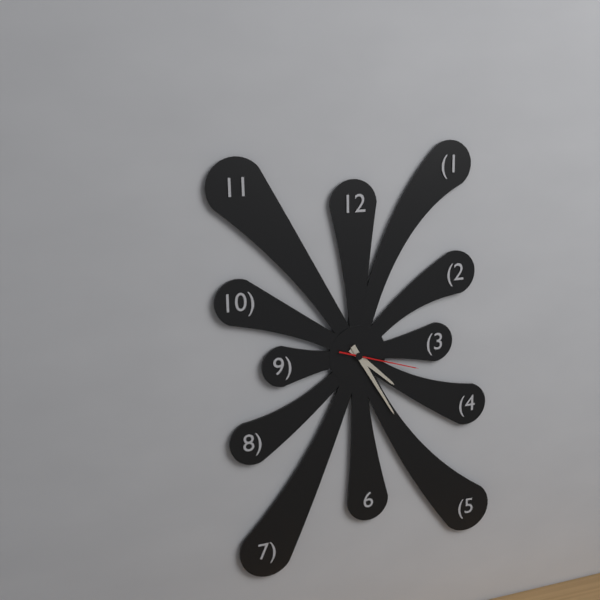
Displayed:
4,25,18
